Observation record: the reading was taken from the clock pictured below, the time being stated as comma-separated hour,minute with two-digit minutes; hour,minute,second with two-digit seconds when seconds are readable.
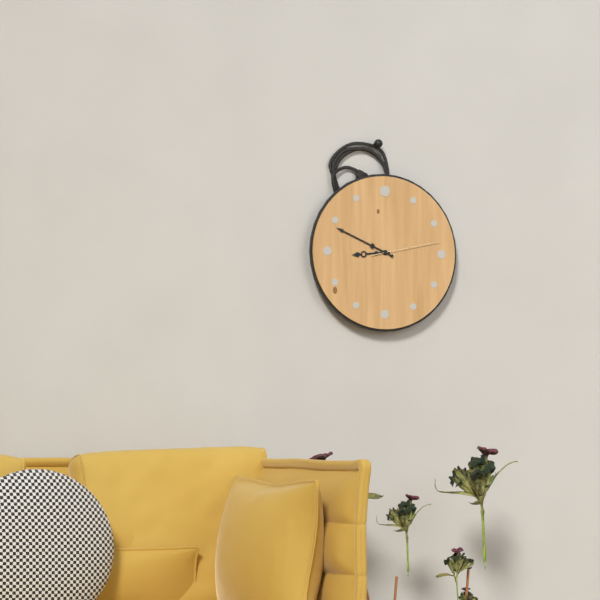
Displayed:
8,49,13
